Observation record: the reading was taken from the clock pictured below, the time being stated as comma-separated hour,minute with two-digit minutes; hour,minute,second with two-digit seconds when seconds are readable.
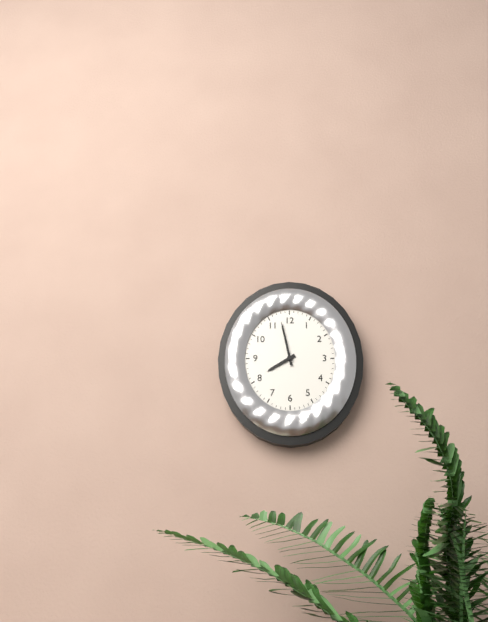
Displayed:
7,58
